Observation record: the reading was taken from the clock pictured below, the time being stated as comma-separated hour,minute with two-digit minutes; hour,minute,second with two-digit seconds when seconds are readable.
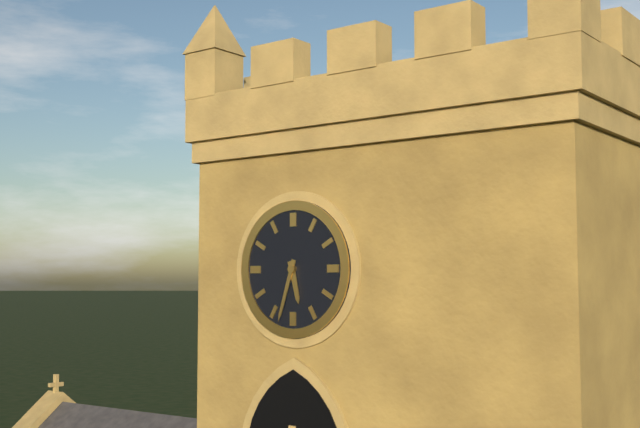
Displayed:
5,33
